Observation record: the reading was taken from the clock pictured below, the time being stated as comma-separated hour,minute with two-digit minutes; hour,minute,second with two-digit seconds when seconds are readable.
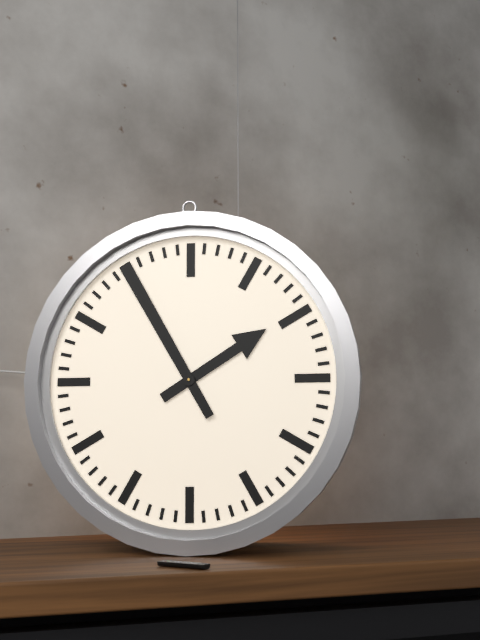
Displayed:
1,55
